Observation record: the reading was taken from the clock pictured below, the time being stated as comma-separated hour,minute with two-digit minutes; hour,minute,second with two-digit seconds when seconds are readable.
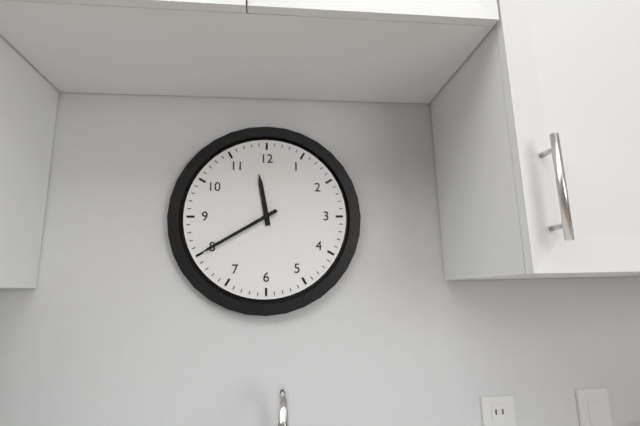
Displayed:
11,40
